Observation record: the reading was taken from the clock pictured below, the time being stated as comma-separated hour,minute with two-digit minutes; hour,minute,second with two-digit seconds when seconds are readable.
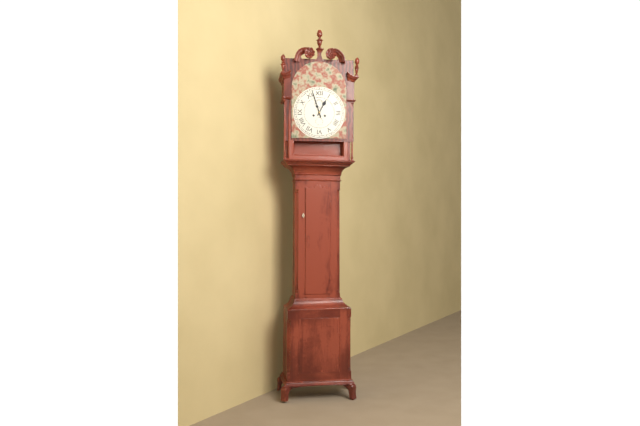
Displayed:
12,57
